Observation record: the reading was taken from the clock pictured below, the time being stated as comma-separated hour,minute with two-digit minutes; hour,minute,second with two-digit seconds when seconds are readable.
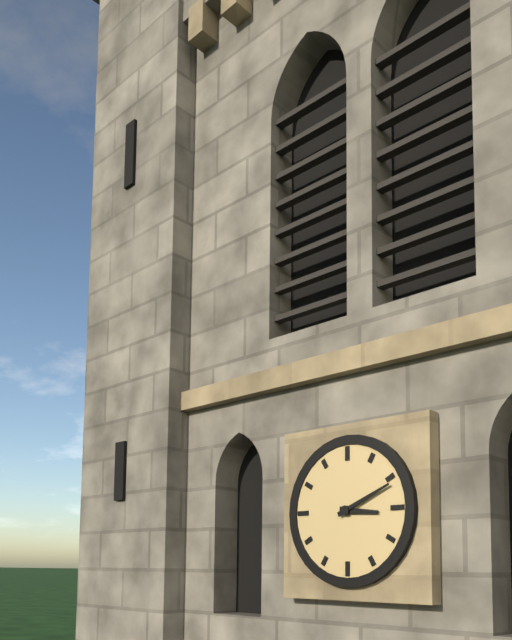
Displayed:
3,11
